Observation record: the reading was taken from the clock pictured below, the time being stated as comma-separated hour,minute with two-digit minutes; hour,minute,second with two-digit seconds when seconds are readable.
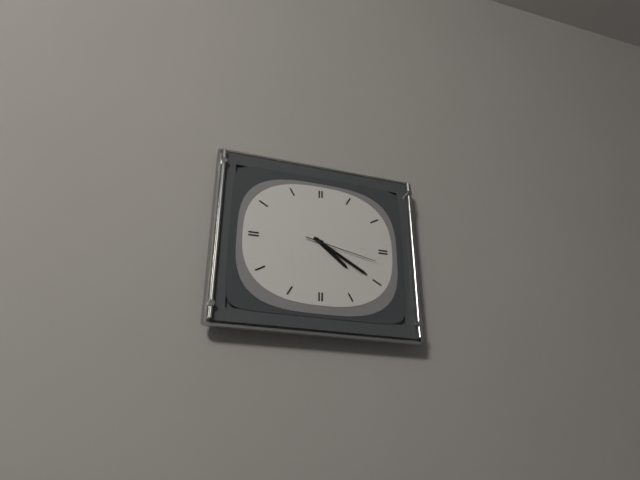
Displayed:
4,20,17
